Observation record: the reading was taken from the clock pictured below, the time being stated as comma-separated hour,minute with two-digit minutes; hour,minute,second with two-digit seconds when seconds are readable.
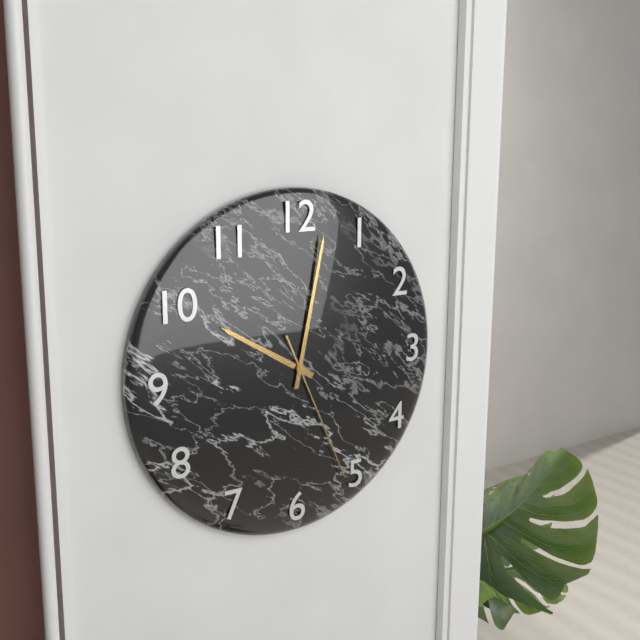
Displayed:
10,02,26
